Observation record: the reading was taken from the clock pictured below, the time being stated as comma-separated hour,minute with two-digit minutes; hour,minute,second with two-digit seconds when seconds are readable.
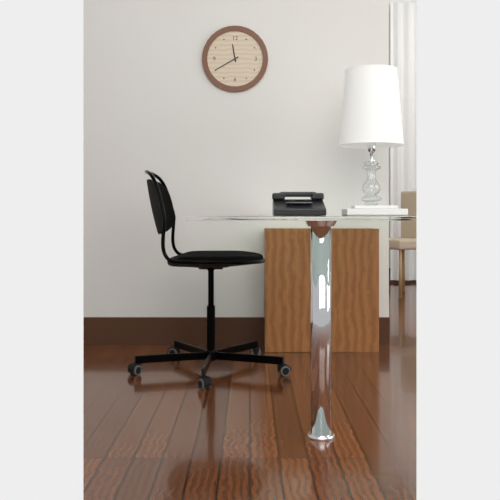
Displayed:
11,40
